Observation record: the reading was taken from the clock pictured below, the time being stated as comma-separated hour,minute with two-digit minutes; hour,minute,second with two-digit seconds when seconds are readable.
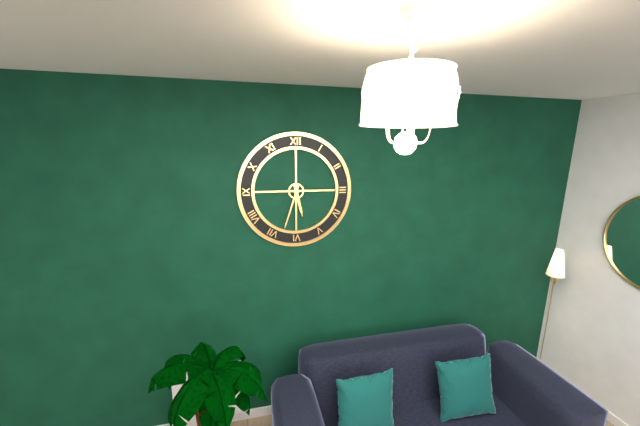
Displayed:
5,33
